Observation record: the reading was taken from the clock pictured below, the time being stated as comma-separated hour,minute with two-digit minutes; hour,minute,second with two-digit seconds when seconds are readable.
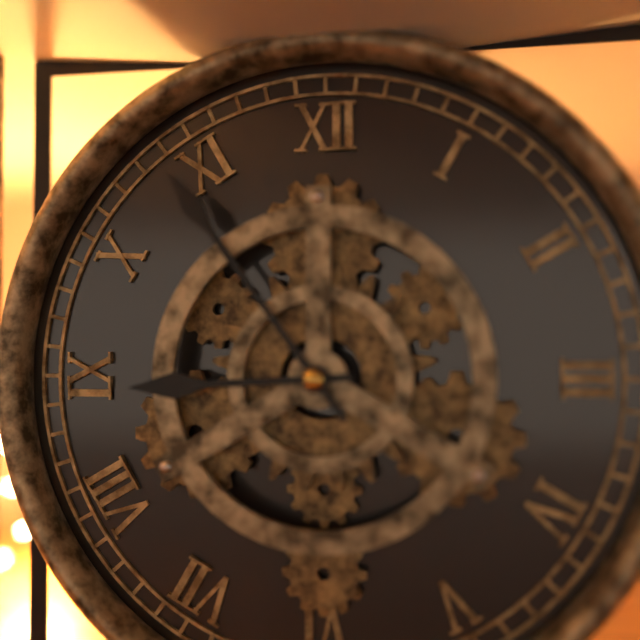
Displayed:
8,54
